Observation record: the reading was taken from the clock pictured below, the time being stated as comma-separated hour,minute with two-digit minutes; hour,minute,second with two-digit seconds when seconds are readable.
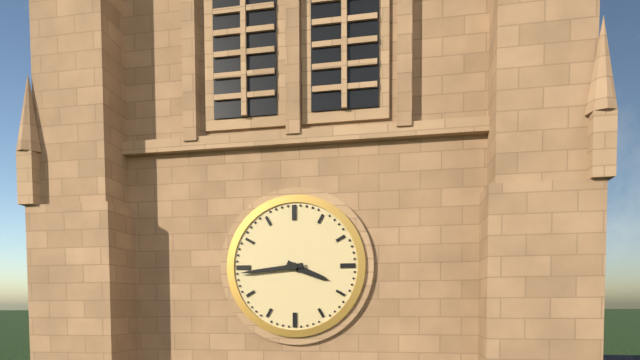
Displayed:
3,44
